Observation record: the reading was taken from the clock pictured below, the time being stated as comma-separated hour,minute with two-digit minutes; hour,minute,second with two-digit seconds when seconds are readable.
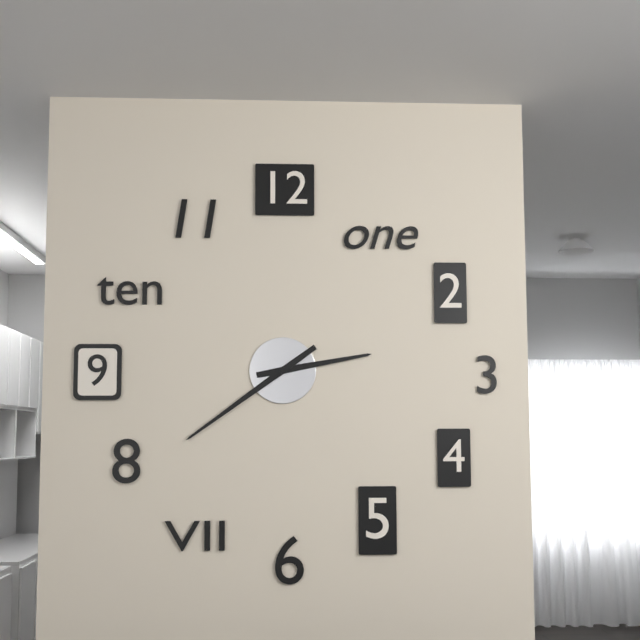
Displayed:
2,39
